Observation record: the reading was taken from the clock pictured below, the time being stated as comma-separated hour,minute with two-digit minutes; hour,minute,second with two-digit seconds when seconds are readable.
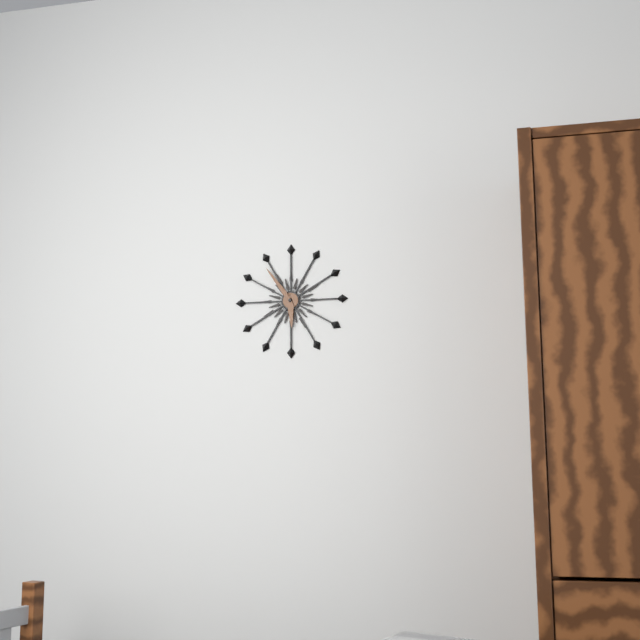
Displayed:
5,54
